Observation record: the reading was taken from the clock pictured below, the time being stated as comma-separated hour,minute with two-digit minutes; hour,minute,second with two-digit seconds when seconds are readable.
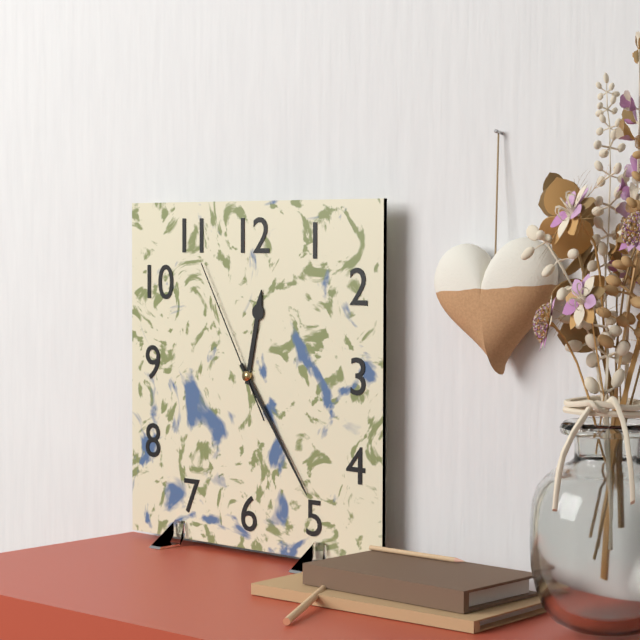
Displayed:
12,24,55
